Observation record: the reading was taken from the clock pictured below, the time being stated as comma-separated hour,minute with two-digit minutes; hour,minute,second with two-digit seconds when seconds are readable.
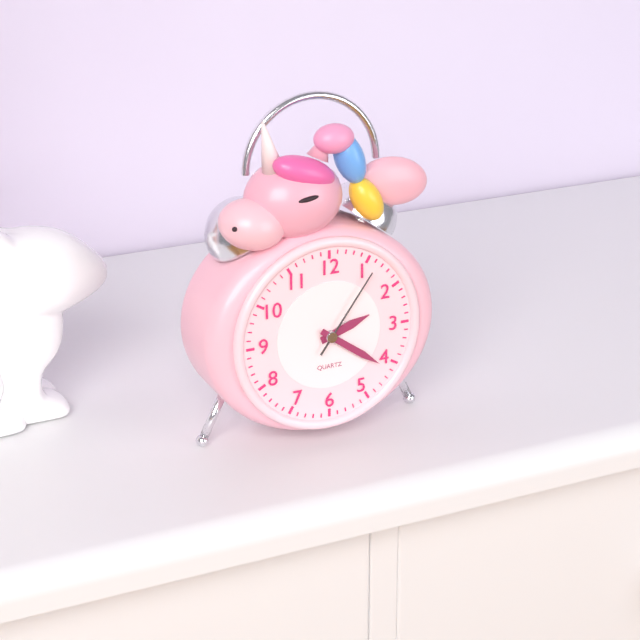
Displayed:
2,21,06
